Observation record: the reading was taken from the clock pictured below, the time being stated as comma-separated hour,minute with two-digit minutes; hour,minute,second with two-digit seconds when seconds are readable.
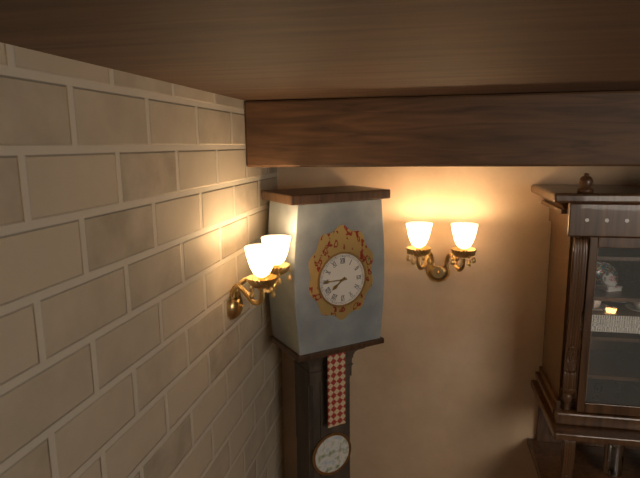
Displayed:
7,45
